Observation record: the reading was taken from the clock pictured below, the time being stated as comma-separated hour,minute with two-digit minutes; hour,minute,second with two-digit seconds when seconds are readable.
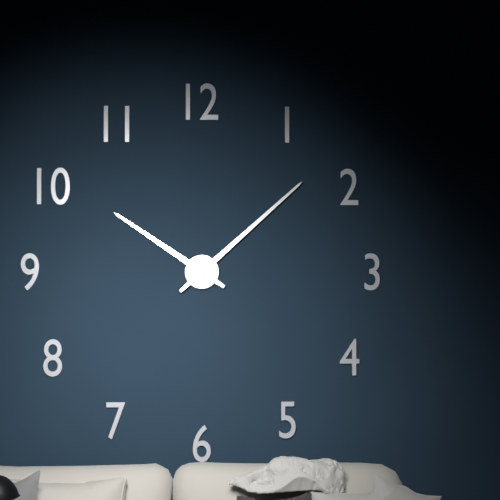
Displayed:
10,08
